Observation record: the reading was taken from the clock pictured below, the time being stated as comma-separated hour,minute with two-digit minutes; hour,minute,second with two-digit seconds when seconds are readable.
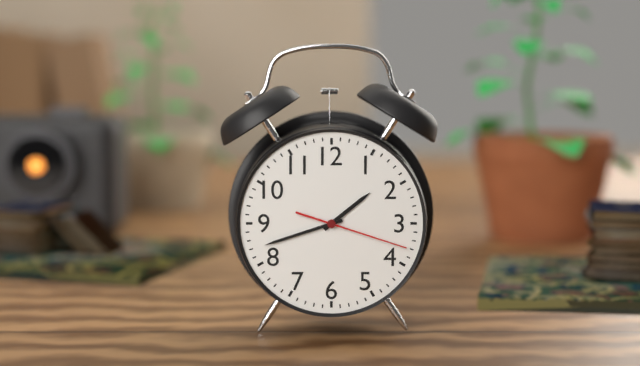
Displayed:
1,42,18
